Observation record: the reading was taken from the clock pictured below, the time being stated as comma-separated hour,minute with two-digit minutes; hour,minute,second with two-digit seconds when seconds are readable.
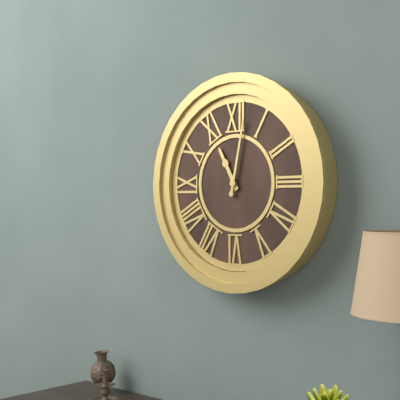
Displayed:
11,02
